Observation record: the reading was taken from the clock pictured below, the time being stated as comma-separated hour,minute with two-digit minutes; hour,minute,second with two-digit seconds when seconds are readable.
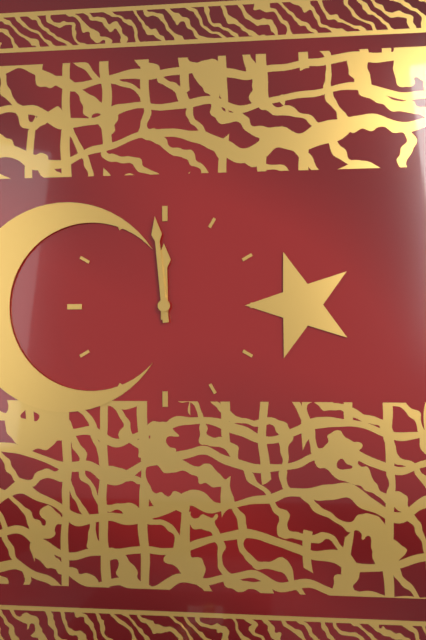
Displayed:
11,59
